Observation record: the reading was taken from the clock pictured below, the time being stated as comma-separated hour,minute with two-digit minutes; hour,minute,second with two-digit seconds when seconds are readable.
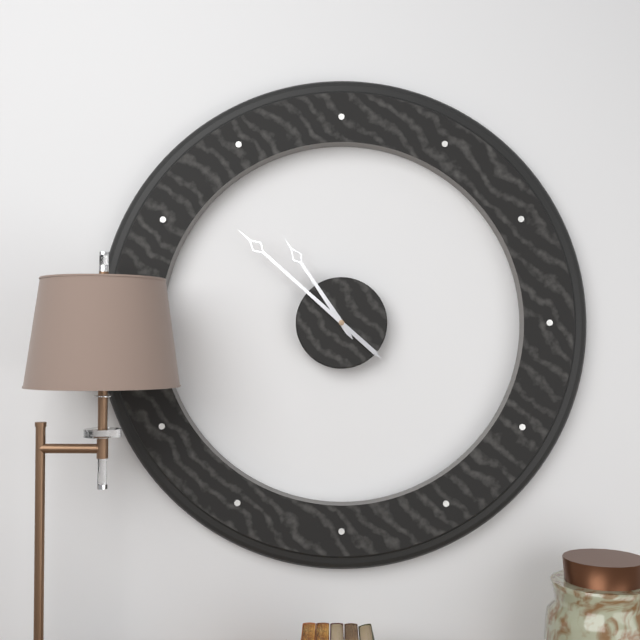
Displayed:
10,52
